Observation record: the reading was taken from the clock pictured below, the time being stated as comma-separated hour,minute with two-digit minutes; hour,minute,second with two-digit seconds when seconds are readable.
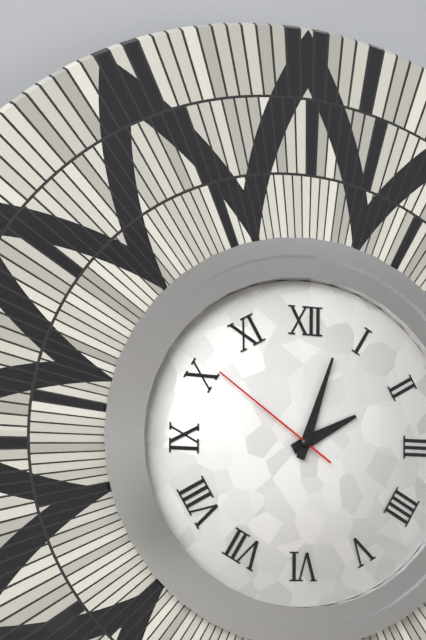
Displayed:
2,03,51
